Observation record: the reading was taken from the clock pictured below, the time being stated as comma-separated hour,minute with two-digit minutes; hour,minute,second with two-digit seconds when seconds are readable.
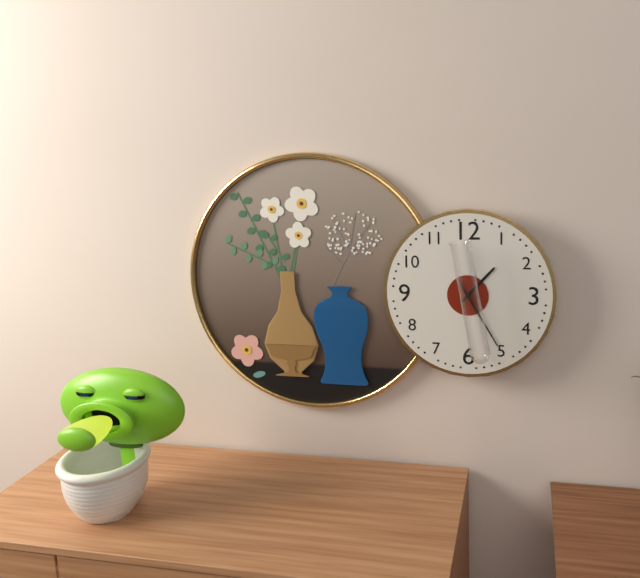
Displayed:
1,25
